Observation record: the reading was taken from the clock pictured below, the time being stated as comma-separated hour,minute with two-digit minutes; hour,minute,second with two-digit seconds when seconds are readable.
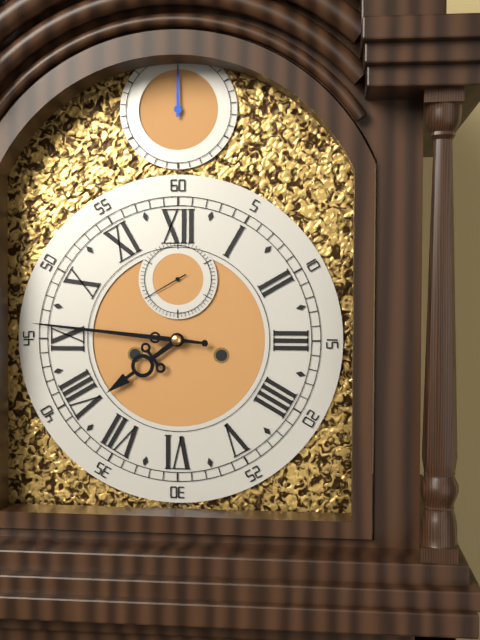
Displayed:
7,46
